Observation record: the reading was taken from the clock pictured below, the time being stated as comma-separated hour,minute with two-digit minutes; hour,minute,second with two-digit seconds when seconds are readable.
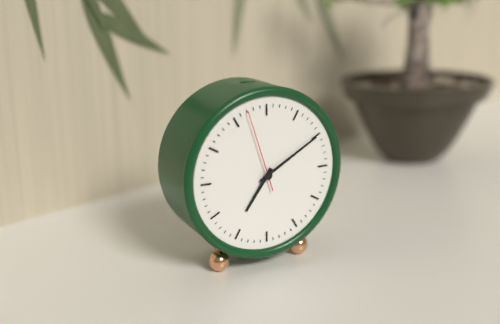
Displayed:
7,10,57
